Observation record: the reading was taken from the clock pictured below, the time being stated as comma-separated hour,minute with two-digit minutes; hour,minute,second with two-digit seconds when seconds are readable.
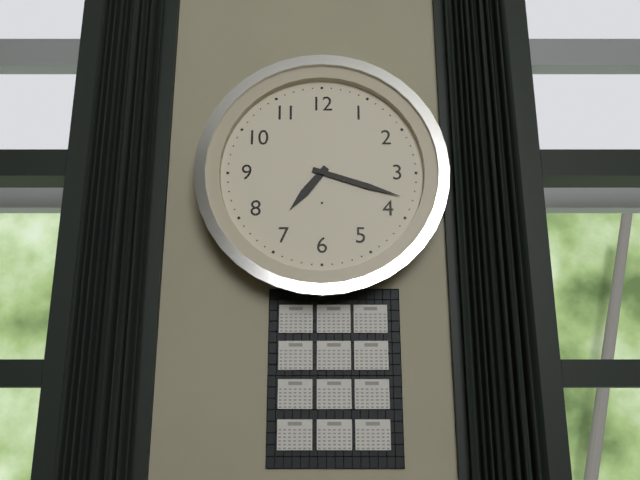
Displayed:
7,18
